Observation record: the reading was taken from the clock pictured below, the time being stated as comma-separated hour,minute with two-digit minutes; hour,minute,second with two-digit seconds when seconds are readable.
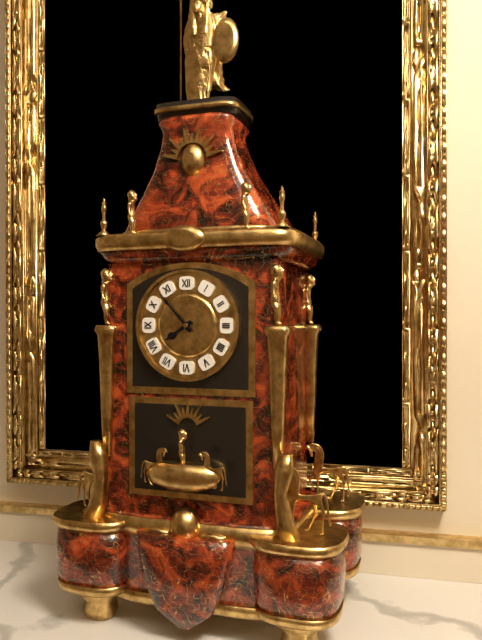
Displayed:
7,53
